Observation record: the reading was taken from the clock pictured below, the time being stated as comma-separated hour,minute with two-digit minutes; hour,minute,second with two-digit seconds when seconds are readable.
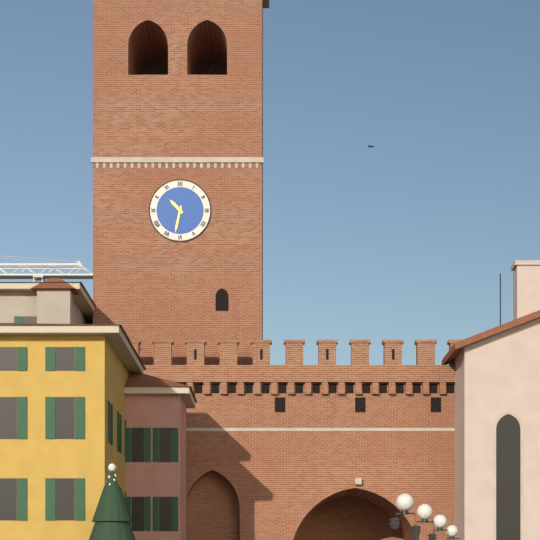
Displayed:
10,32
